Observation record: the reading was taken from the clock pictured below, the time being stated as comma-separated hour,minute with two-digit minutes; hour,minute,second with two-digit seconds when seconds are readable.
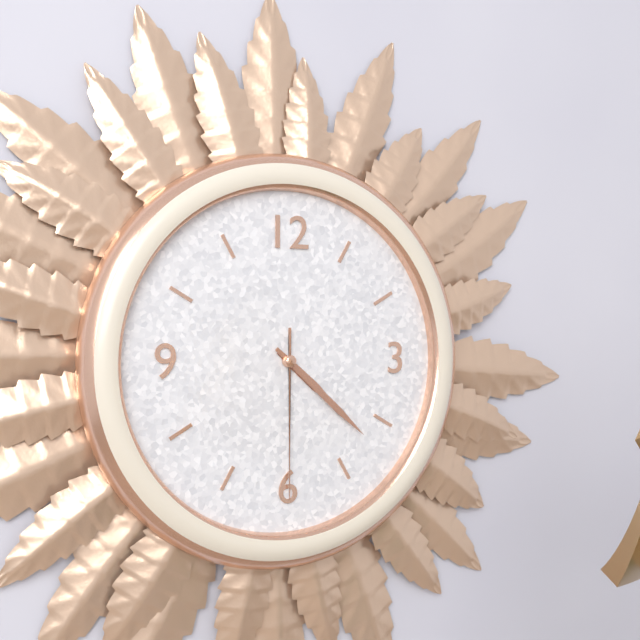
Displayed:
4,22,30
